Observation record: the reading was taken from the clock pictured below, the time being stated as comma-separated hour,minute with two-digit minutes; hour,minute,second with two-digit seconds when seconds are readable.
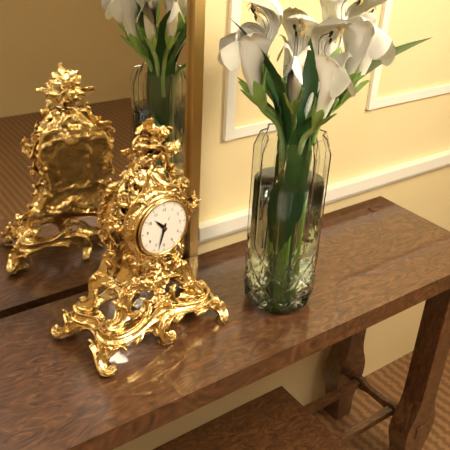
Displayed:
10,33
